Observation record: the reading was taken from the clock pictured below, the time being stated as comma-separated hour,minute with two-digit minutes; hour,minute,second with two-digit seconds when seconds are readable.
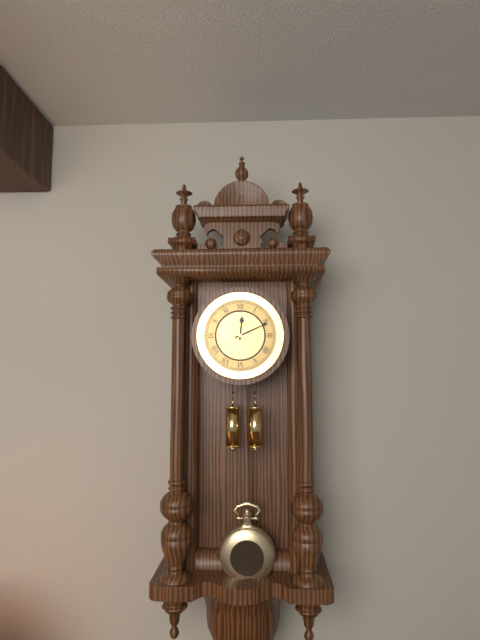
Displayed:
12,11
